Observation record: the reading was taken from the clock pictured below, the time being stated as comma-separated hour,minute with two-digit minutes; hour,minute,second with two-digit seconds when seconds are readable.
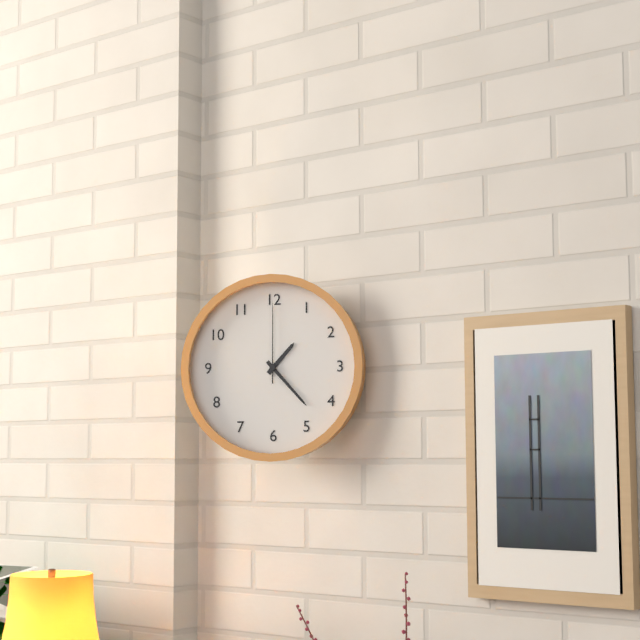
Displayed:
1,23,00
